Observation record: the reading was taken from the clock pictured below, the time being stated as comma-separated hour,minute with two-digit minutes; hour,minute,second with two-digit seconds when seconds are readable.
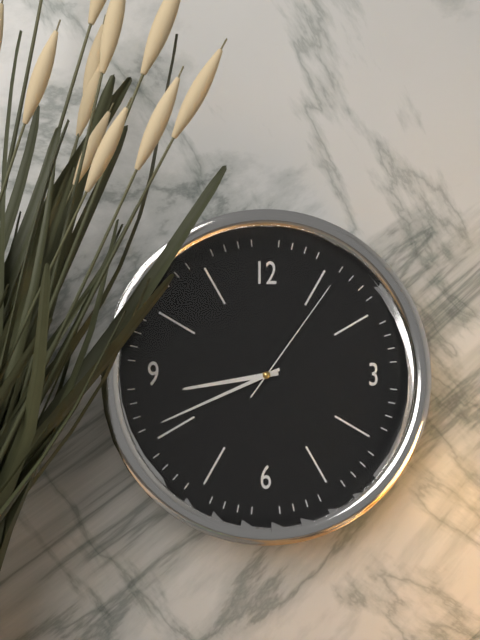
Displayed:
8,41,06
